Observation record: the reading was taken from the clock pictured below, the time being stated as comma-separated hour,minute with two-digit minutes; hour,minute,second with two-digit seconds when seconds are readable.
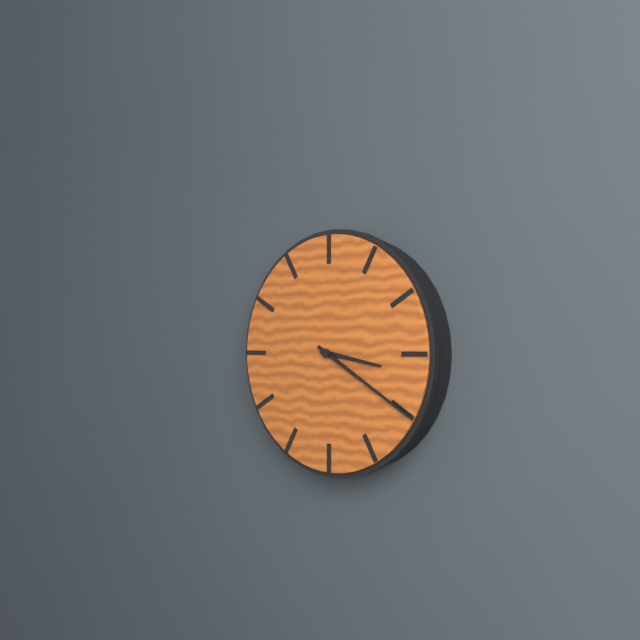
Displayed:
3,20
